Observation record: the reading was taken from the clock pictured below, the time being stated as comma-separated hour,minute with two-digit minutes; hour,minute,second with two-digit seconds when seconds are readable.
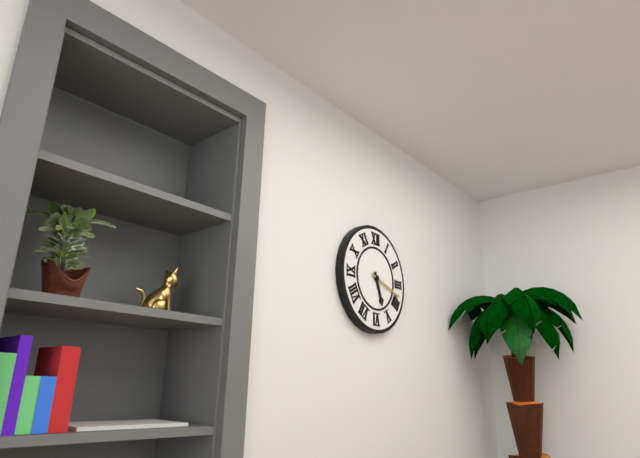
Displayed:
5,18
